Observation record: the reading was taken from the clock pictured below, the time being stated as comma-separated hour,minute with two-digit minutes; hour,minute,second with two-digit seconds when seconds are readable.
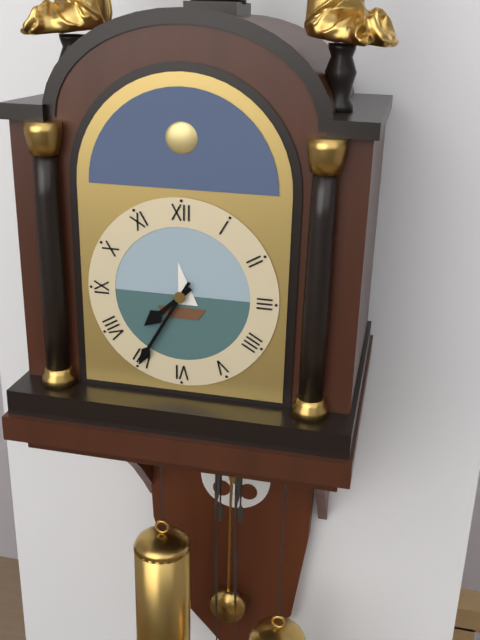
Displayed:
7,35
